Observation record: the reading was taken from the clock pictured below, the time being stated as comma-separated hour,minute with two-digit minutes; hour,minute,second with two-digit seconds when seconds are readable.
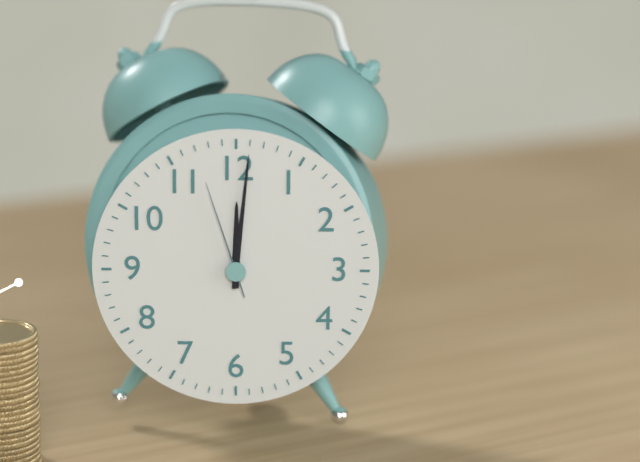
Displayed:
12,01,57
